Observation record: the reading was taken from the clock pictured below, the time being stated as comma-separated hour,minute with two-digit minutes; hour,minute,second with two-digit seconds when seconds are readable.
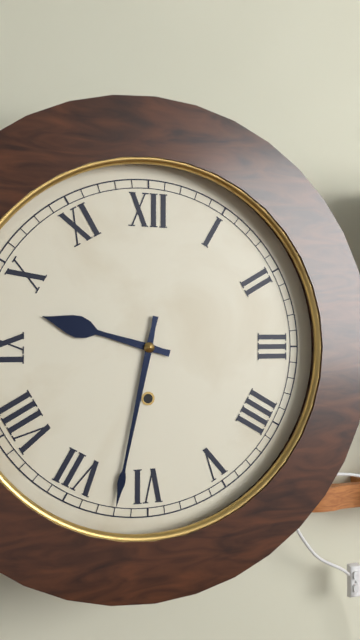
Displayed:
9,32
